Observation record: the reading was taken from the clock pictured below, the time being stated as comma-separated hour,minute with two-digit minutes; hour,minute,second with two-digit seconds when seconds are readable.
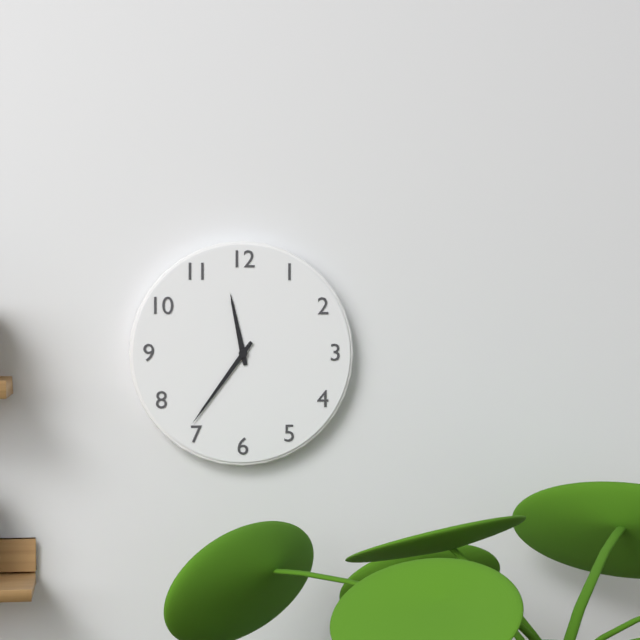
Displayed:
11,36
